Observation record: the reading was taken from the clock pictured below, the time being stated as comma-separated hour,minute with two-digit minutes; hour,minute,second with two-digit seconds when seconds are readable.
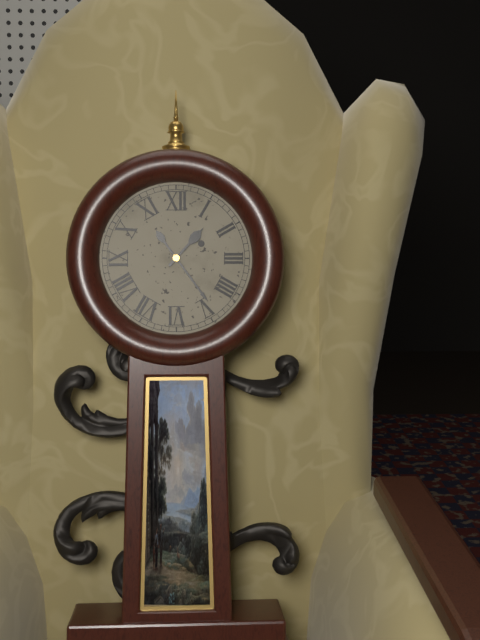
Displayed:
1,24
